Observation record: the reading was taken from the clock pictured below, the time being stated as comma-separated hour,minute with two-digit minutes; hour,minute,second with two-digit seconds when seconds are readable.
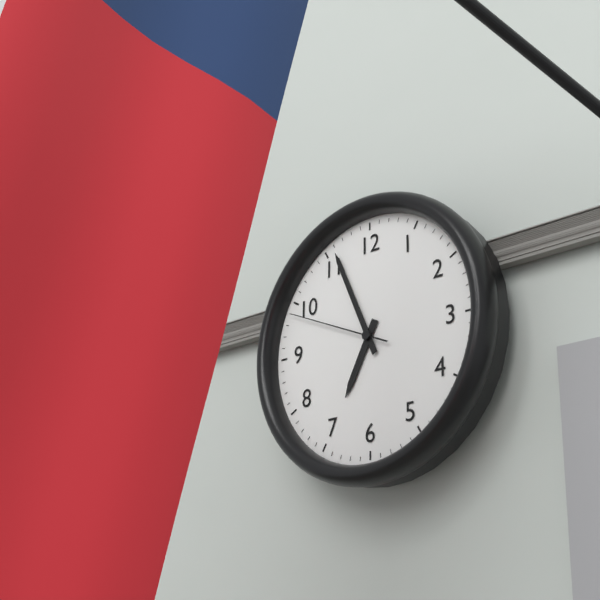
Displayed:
6,56,49
